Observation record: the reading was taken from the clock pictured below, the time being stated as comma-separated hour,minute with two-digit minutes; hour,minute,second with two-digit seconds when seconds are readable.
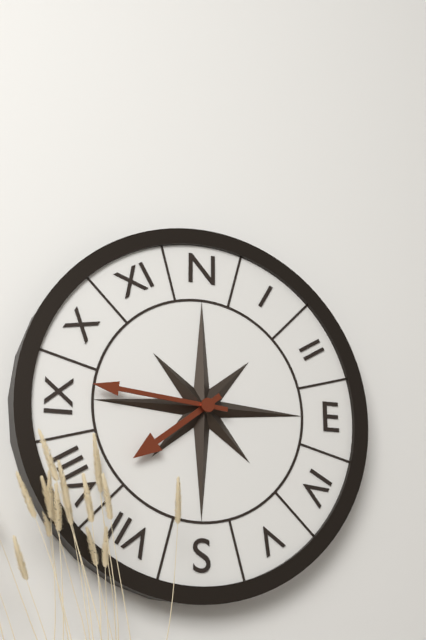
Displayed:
7,46
